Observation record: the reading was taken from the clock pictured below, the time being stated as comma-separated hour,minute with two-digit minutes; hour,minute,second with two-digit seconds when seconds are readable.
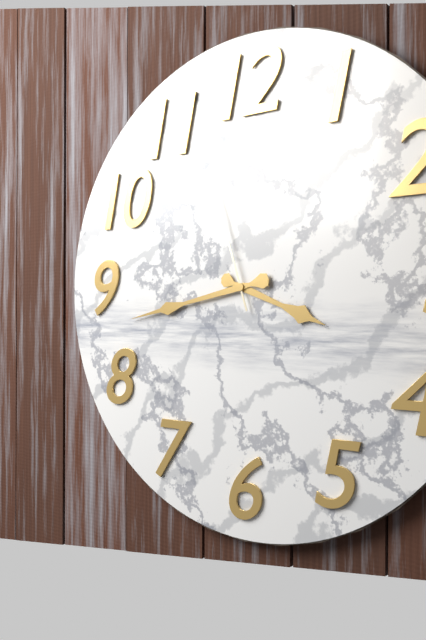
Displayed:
3,43,57
